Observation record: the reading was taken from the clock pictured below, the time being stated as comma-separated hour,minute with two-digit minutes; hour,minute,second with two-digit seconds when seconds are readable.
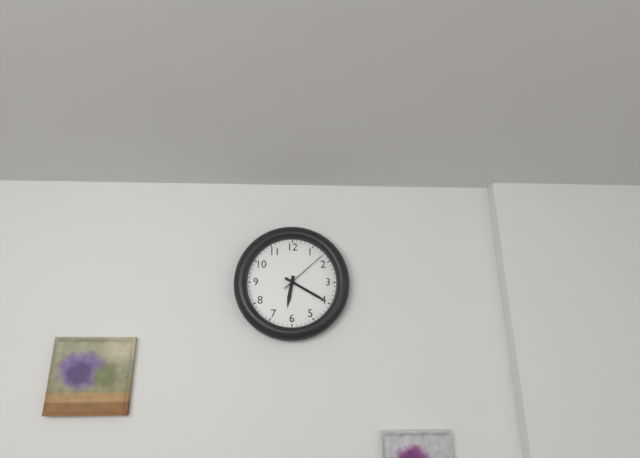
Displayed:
6,20,08
